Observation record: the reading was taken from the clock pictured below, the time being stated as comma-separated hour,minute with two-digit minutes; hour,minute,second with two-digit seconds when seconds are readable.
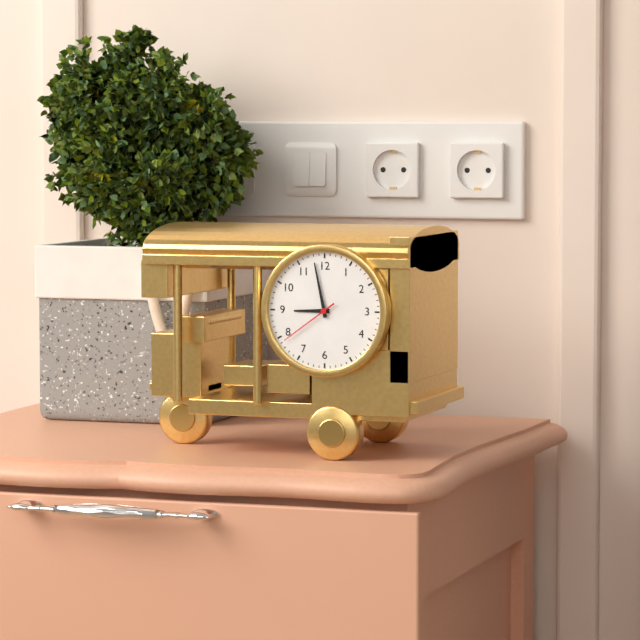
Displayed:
8,58,39
